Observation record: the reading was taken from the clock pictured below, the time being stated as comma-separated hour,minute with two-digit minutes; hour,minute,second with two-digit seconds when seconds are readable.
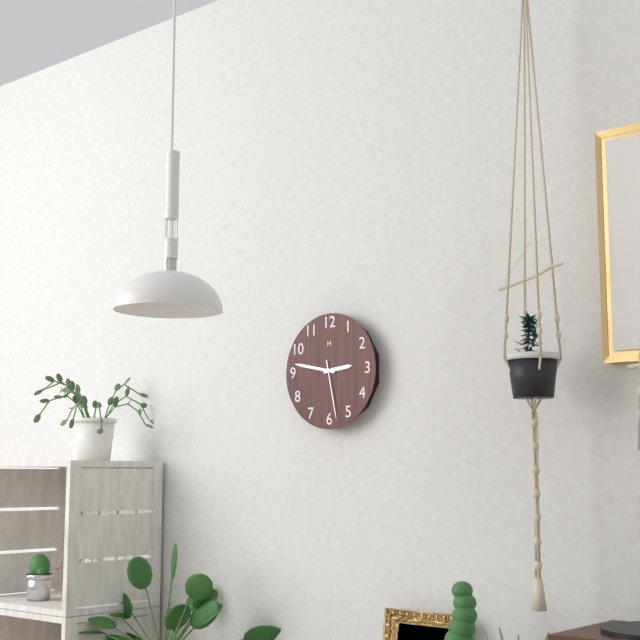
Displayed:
2,47,28
